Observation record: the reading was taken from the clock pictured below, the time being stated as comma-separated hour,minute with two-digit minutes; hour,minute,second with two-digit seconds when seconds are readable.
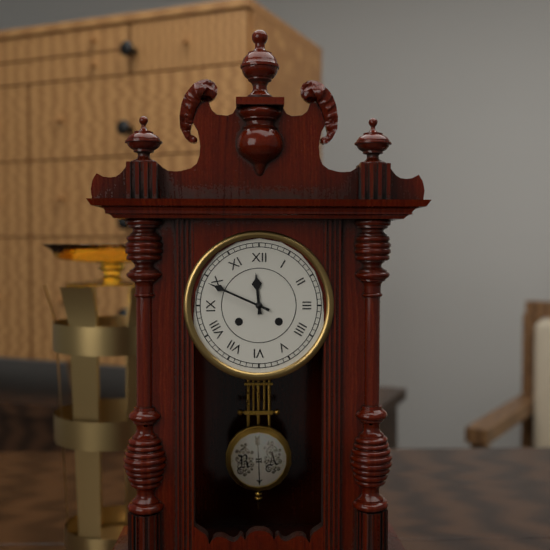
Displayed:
11,49
